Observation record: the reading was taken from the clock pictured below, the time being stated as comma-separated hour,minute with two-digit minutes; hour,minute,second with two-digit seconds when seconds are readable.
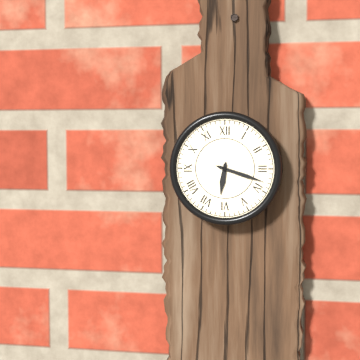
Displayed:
6,18
